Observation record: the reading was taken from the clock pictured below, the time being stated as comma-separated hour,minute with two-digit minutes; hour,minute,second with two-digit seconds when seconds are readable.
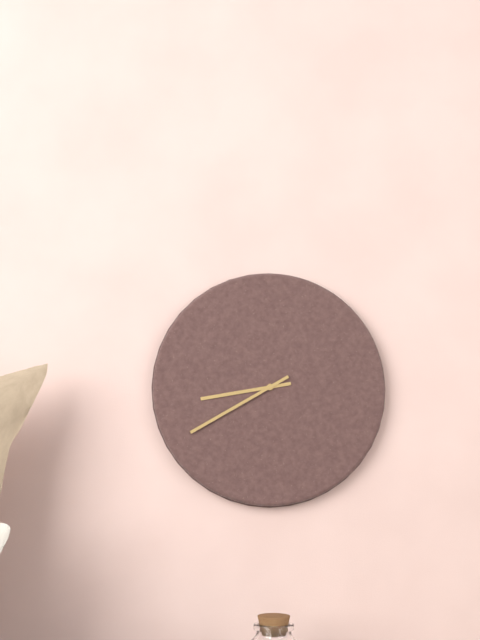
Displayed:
8,40
